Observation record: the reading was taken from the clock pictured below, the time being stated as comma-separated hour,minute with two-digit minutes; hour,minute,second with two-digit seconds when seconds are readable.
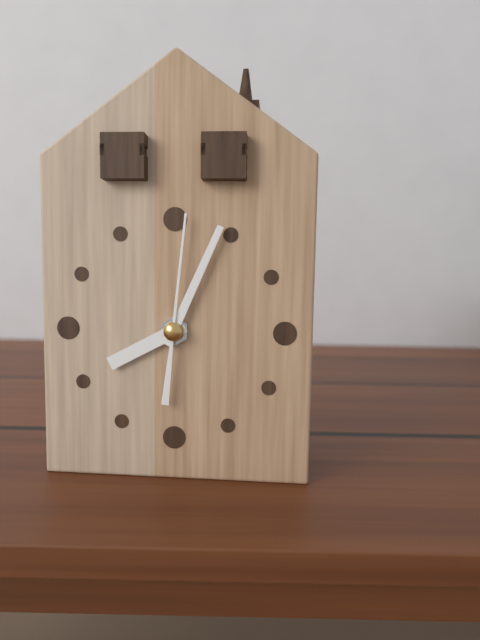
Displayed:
8,04,01
